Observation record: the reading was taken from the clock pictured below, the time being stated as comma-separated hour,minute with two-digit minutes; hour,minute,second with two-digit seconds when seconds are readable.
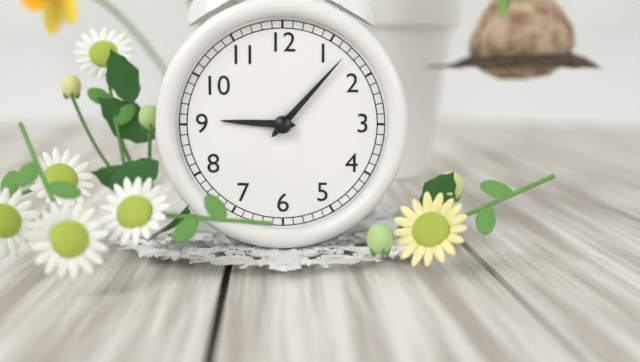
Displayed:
9,07
